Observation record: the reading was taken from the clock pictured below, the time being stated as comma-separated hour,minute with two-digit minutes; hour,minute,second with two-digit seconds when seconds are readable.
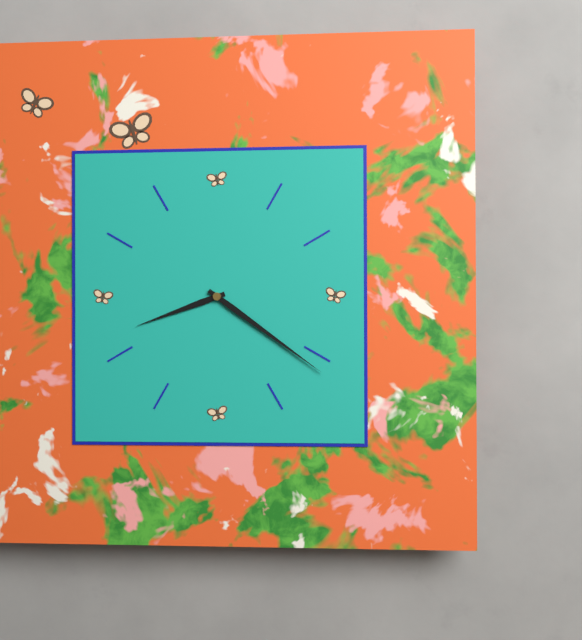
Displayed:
8,21
